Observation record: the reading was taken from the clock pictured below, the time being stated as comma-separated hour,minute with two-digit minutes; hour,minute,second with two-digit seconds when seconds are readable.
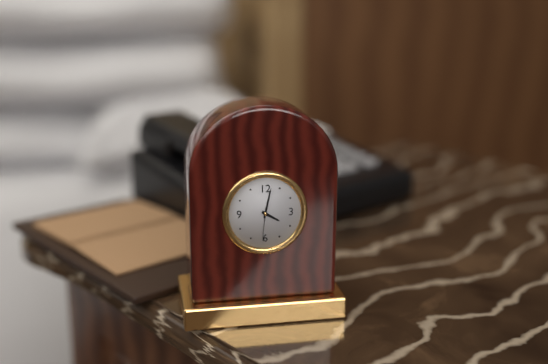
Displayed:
4,02
